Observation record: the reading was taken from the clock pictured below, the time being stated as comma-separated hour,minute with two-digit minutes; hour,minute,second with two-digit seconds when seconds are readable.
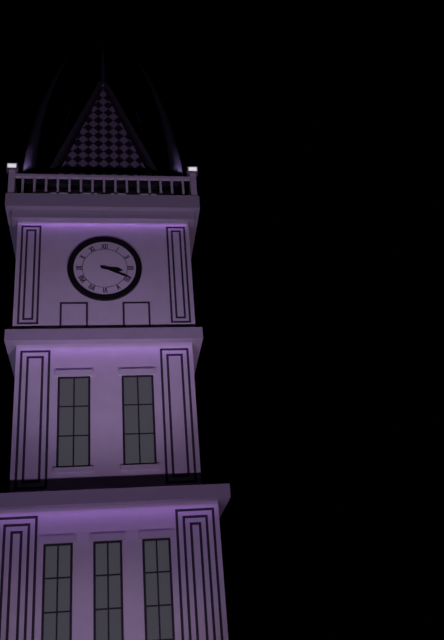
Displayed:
3,19
